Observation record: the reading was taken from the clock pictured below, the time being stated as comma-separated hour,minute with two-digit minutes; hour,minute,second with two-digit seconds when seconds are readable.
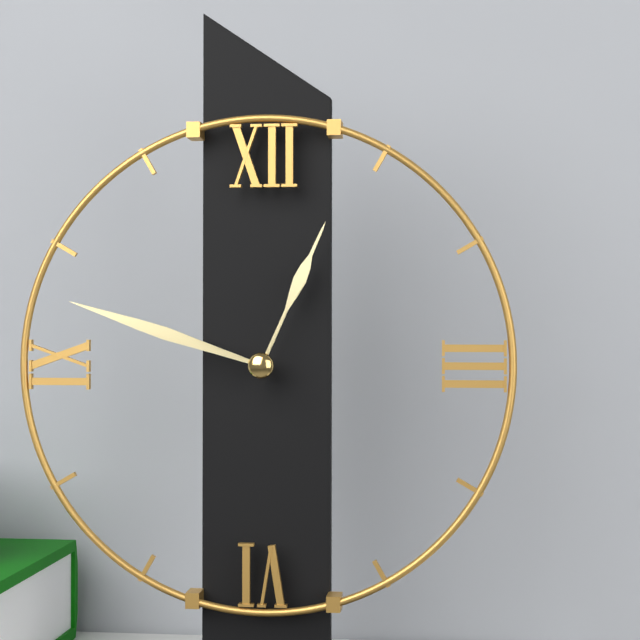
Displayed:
12,48
